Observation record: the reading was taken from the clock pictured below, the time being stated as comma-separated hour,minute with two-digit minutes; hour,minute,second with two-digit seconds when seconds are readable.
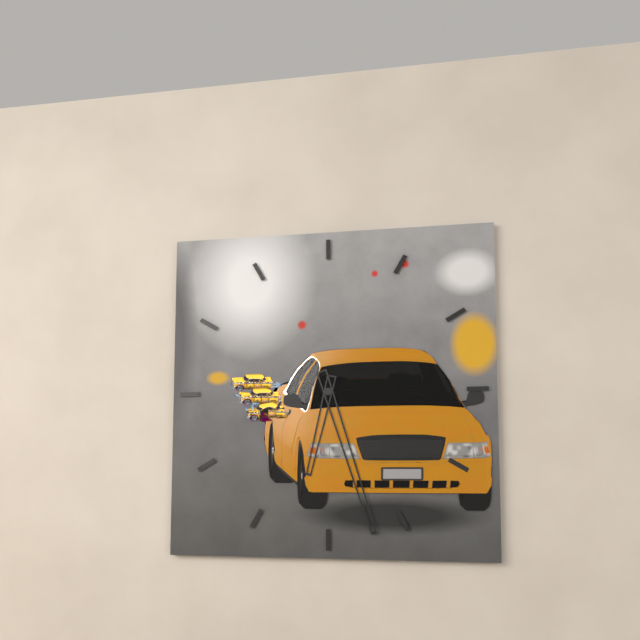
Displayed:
6,27
